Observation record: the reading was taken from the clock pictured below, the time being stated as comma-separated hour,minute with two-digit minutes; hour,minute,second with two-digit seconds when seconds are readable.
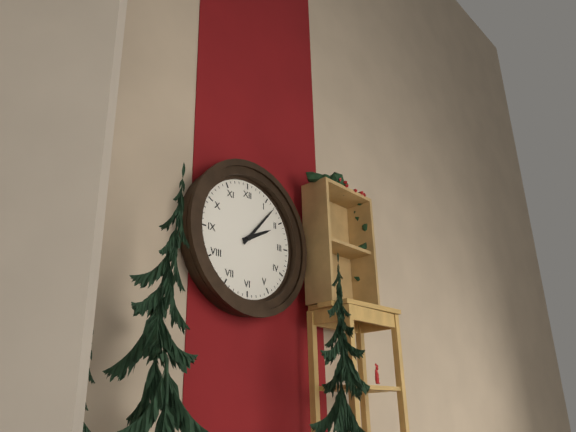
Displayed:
2,07
